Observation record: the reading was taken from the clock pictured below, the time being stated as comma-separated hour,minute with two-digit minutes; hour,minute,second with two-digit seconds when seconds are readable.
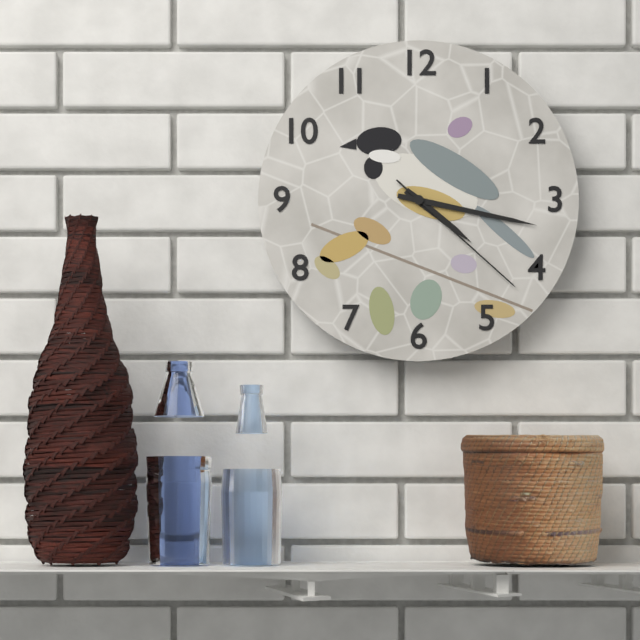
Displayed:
4,17,22
